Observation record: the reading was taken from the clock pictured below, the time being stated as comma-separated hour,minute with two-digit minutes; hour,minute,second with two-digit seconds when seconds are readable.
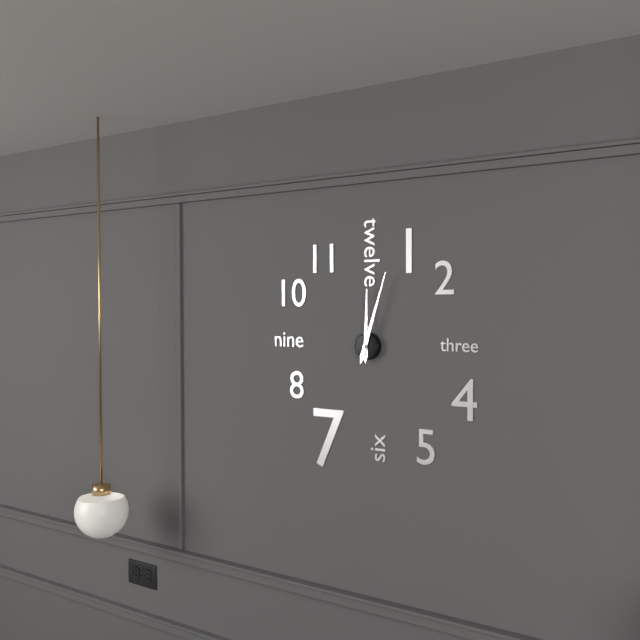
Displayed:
12,03
